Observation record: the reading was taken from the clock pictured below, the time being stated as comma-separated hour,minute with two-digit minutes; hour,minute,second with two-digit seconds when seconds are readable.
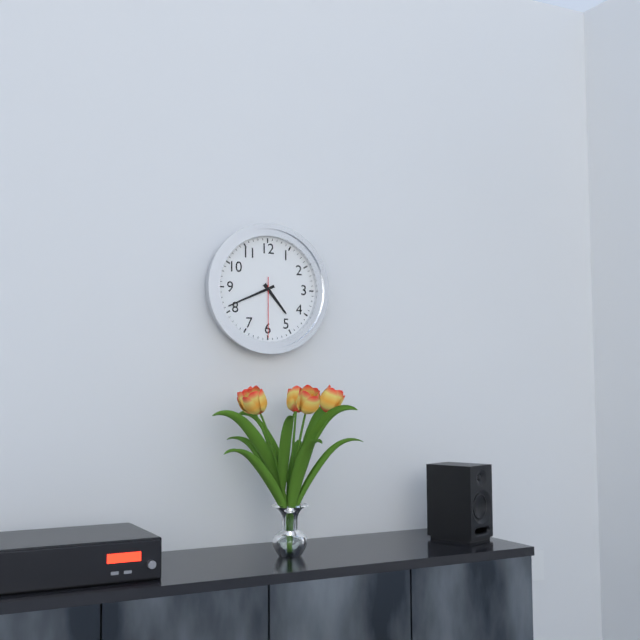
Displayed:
4,41,30
